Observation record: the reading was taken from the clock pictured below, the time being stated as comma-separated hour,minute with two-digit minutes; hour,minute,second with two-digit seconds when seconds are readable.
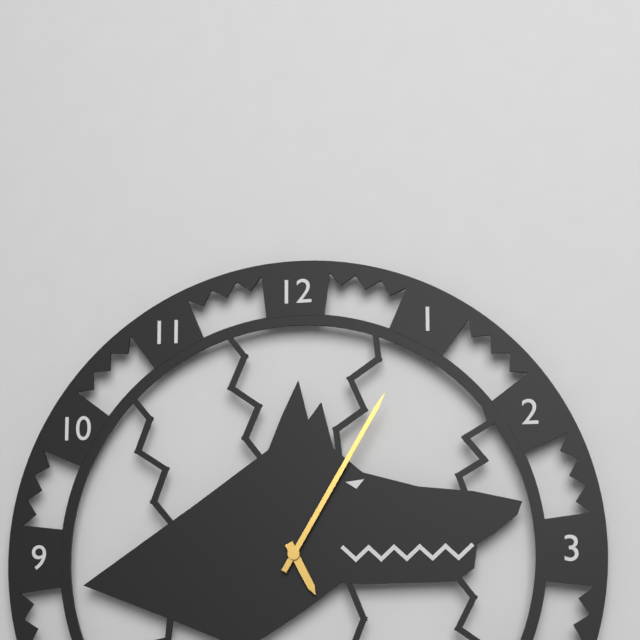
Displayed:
5,05
